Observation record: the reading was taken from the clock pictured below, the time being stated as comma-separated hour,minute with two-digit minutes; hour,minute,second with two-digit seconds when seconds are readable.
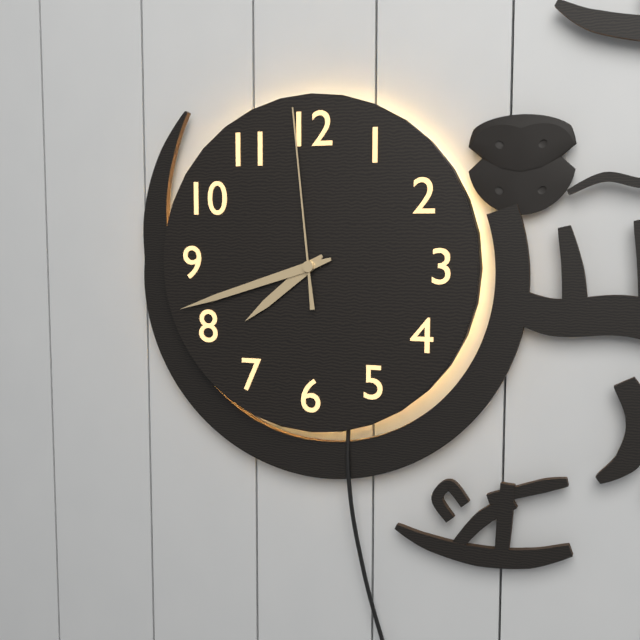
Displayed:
7,42,59
